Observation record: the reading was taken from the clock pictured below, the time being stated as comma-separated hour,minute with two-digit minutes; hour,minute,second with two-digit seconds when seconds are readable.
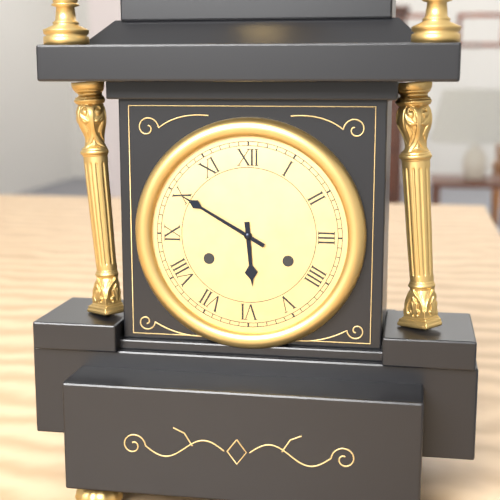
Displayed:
5,50
